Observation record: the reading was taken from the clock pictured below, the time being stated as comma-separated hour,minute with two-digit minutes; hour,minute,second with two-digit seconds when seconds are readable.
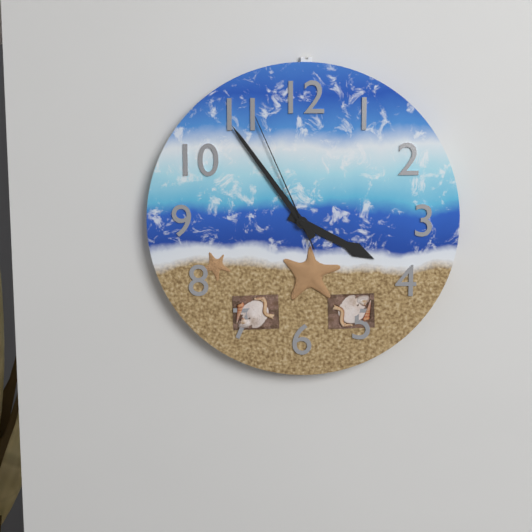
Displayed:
3,54,56
